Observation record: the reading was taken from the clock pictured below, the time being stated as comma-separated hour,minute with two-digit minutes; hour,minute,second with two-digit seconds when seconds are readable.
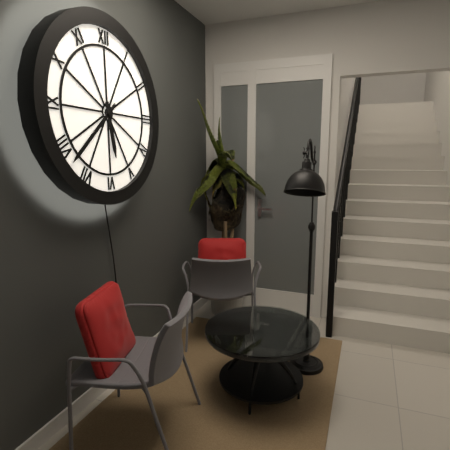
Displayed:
5,38
